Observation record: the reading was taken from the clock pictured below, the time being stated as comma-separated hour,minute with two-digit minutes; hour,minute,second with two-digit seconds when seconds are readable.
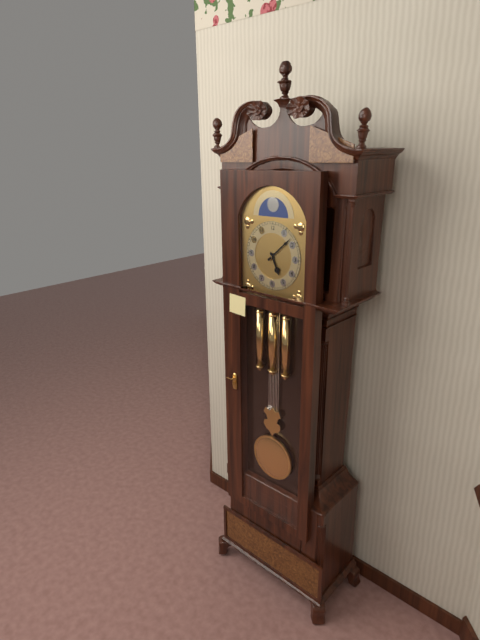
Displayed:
5,08
